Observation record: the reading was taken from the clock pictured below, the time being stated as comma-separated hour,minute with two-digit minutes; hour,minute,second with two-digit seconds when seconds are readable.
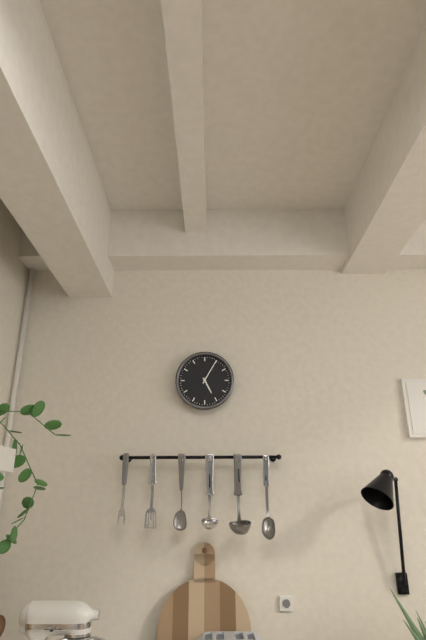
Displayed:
5,05
